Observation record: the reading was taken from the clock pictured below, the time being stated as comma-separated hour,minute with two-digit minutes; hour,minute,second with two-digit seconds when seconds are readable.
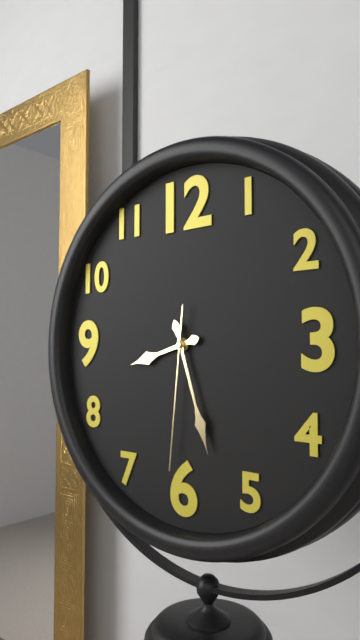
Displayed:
8,27,31
